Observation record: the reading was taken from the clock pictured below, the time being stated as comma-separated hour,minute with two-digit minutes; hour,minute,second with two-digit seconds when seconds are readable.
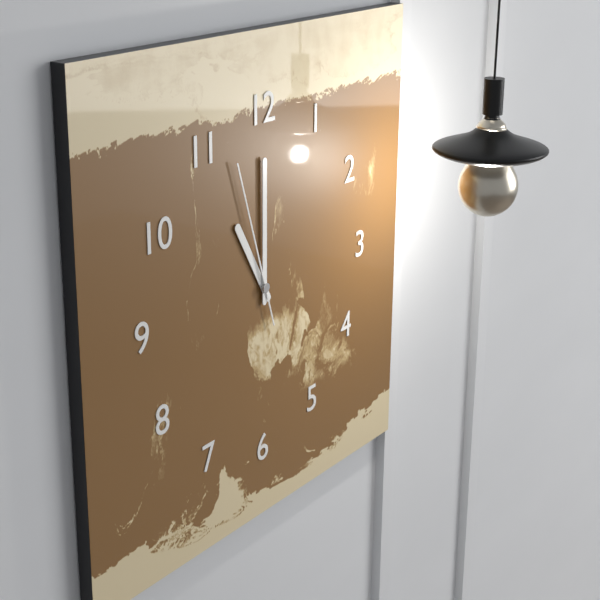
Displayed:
11,00,57
